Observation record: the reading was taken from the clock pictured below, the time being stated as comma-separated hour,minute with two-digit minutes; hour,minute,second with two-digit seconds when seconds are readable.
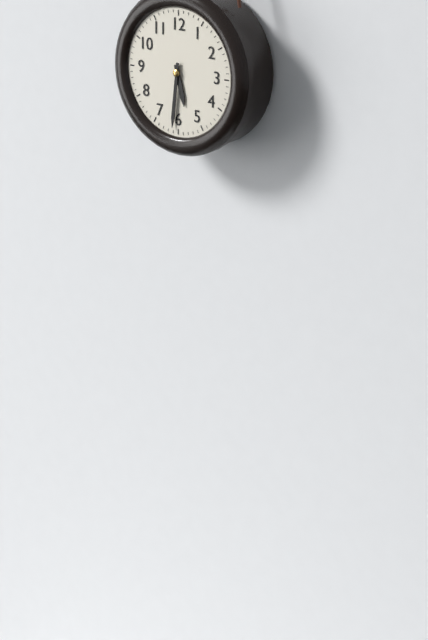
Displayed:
5,31
